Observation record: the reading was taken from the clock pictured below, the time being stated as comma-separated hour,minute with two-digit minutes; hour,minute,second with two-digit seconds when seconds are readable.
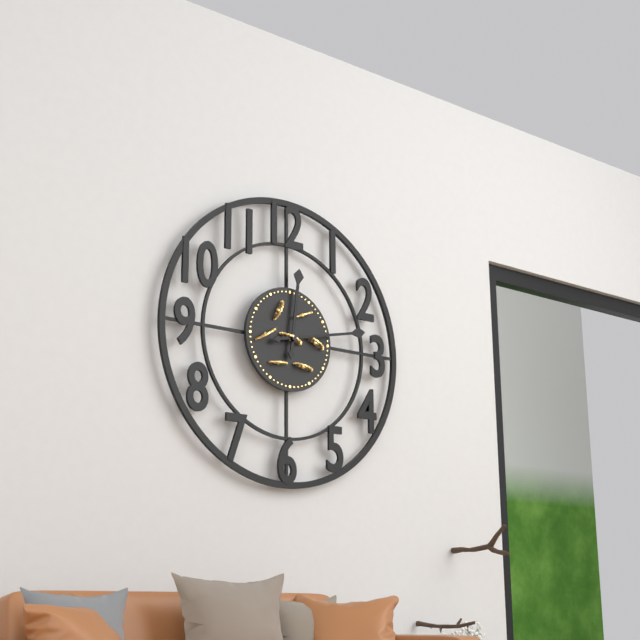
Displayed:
12,13
